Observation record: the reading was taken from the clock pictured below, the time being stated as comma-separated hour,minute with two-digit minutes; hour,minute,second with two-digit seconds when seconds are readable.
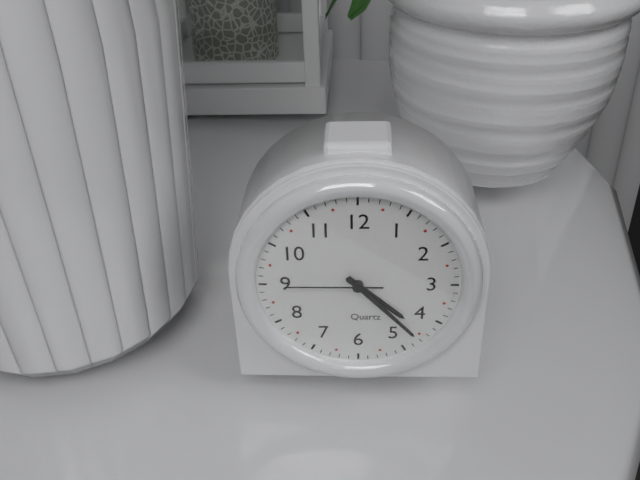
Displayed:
4,23,45
